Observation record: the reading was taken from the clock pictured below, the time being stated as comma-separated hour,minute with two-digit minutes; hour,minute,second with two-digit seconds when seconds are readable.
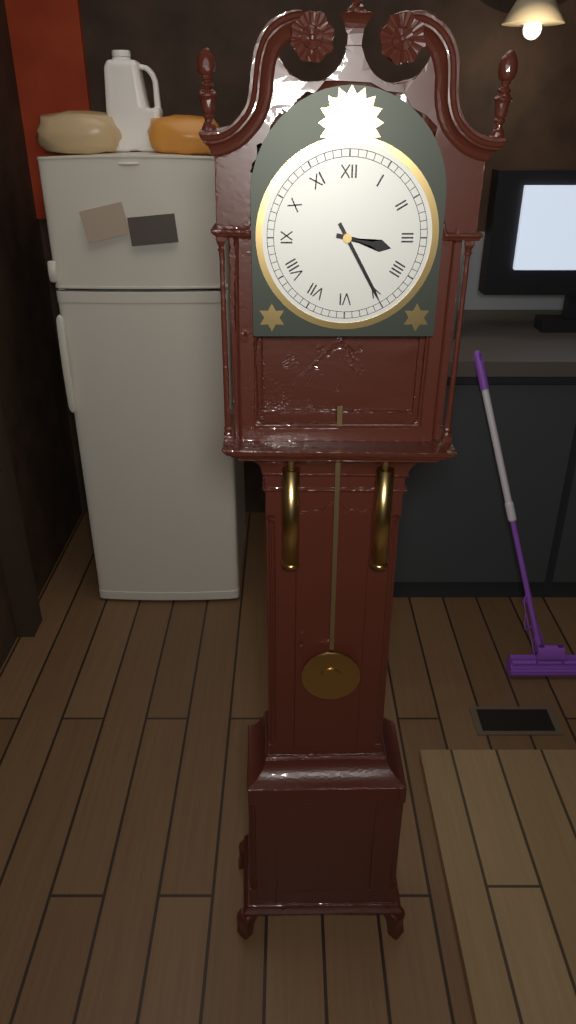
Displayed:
3,25
